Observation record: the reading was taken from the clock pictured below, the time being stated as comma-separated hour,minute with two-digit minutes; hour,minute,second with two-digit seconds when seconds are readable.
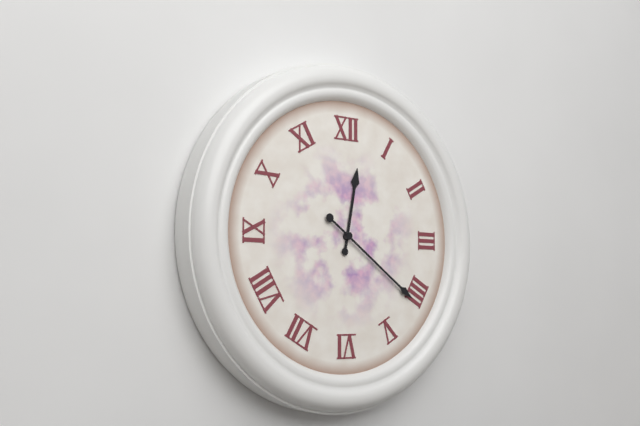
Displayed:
12,21
